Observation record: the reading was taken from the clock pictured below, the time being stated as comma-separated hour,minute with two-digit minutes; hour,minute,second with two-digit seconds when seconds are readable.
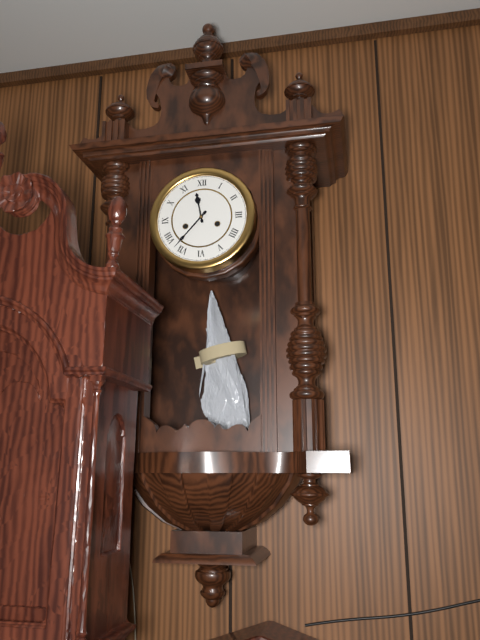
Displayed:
11,37
